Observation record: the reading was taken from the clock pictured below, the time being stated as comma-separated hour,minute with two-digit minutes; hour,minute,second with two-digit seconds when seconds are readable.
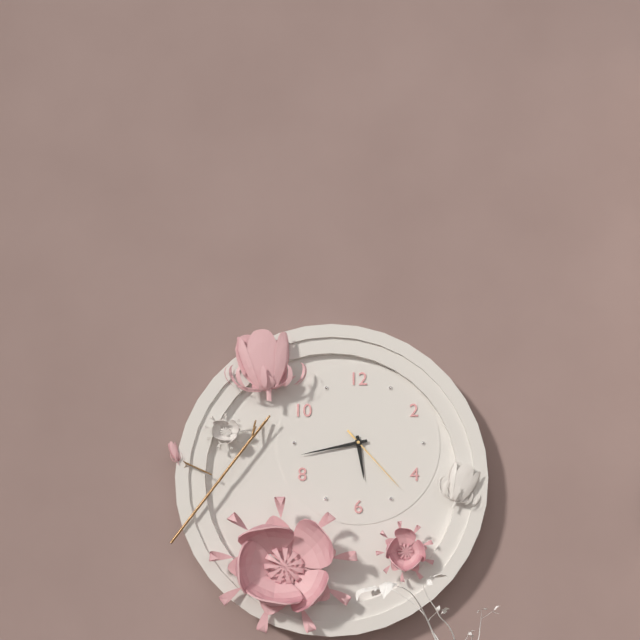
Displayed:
5,43,23
